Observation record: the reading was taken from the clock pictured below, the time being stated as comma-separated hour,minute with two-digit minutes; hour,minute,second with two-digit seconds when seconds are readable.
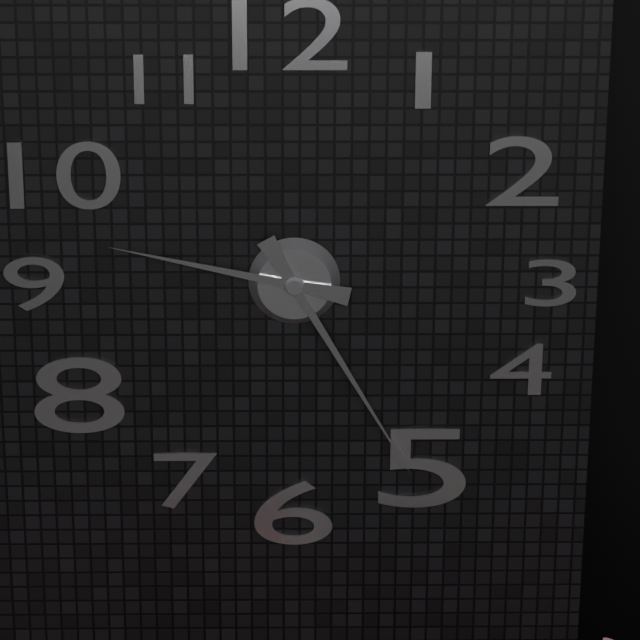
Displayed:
9,25
